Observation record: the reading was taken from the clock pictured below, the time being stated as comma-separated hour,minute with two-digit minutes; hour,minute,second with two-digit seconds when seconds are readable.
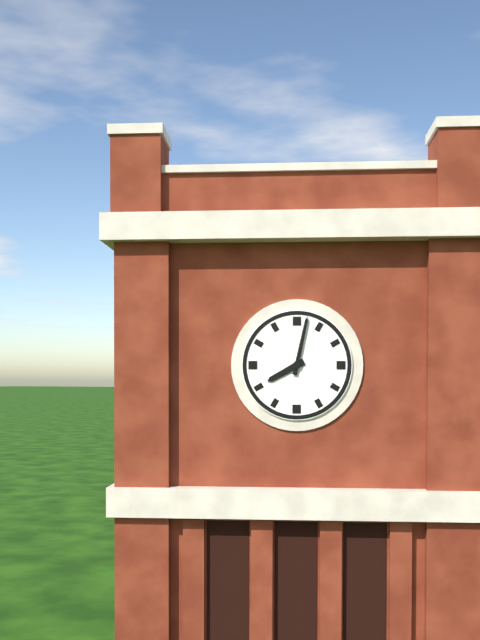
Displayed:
8,02
